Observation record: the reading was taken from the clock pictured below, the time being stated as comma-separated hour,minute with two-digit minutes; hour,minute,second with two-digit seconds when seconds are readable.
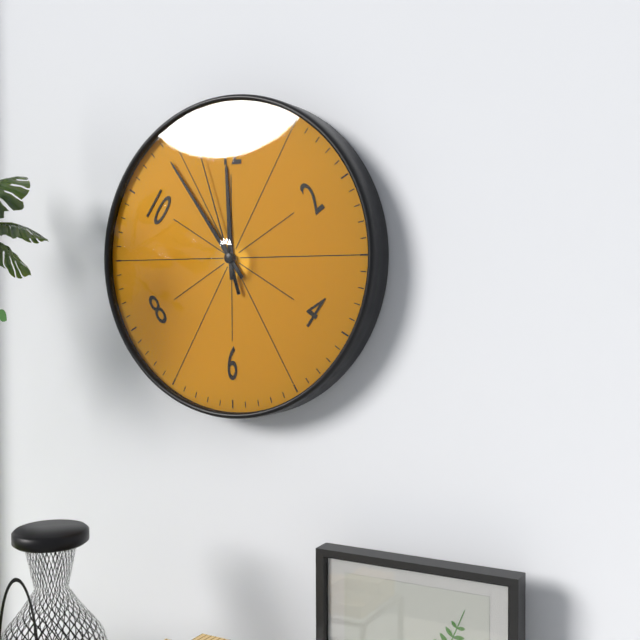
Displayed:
11,54,57
